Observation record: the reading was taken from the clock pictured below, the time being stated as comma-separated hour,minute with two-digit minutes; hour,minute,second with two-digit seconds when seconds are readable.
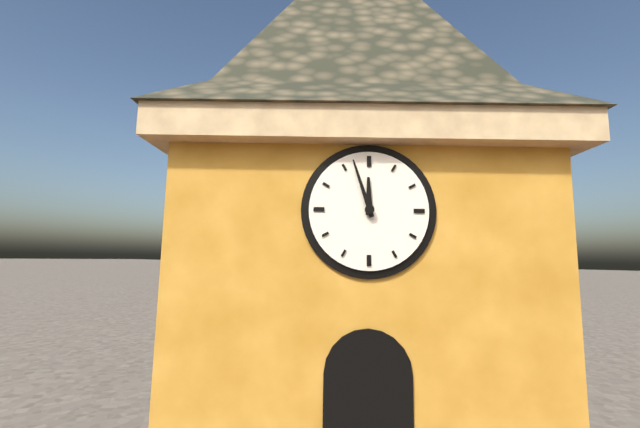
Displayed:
11,57
